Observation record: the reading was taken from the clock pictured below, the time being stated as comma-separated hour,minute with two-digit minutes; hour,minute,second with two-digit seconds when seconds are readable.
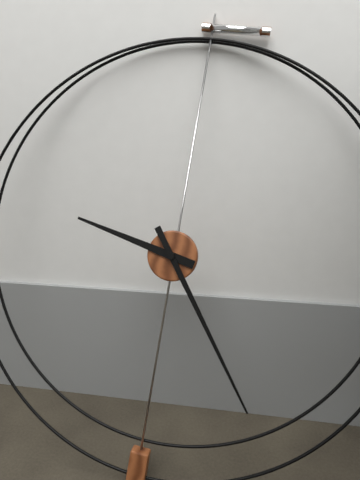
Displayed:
9,24
